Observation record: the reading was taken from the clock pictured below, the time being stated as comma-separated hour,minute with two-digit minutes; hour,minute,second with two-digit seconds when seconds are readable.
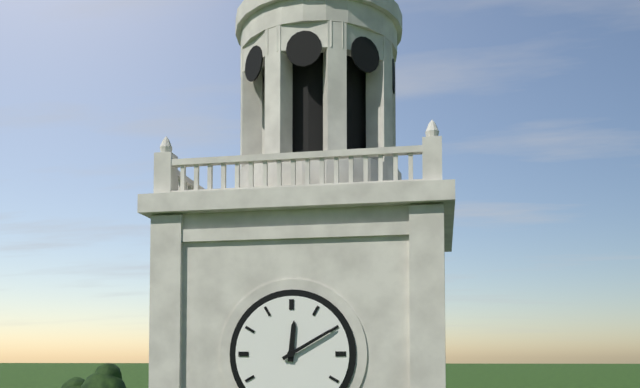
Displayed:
12,10
